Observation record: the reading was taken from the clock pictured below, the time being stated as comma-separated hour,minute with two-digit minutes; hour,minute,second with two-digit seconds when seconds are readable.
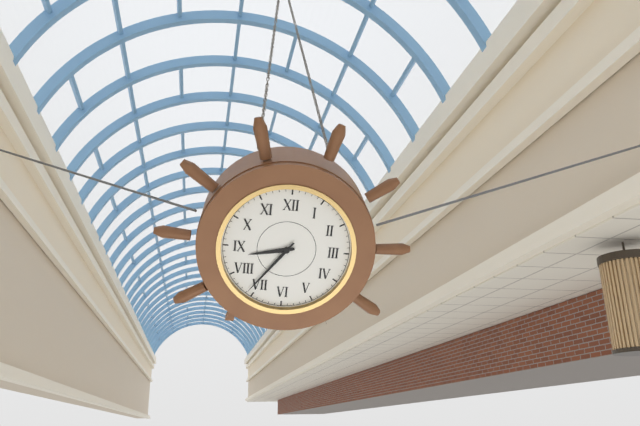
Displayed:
8,36
